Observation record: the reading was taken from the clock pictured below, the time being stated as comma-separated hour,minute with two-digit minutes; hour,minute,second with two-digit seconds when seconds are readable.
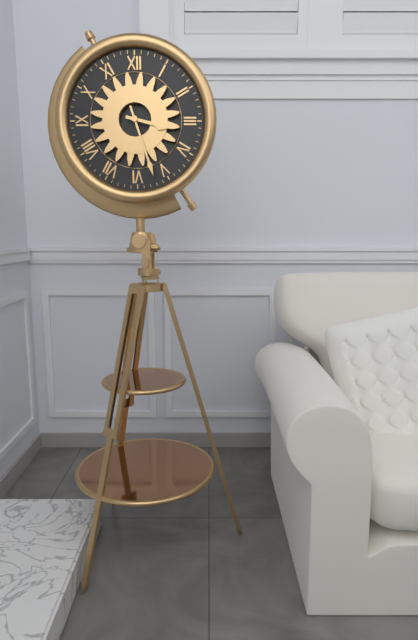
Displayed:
3,27
